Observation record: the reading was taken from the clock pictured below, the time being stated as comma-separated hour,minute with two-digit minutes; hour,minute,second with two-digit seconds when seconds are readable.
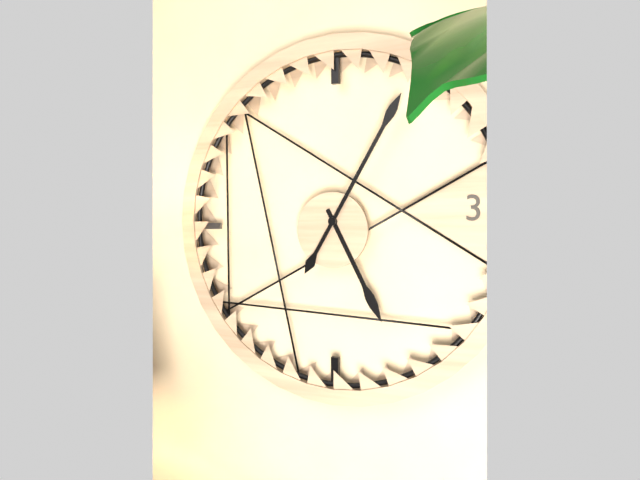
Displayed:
5,05
